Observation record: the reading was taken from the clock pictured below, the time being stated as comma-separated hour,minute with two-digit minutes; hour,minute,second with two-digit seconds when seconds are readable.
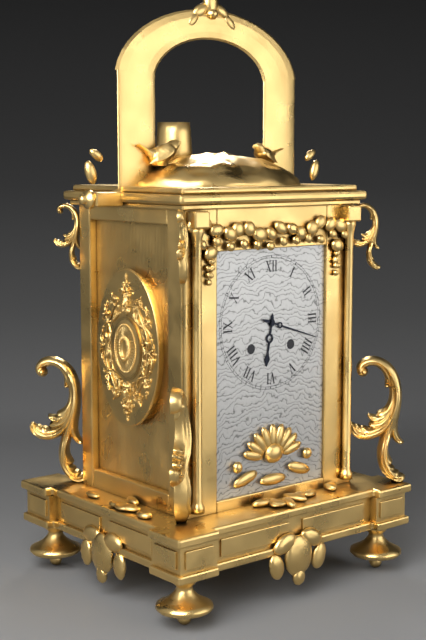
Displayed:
6,18
